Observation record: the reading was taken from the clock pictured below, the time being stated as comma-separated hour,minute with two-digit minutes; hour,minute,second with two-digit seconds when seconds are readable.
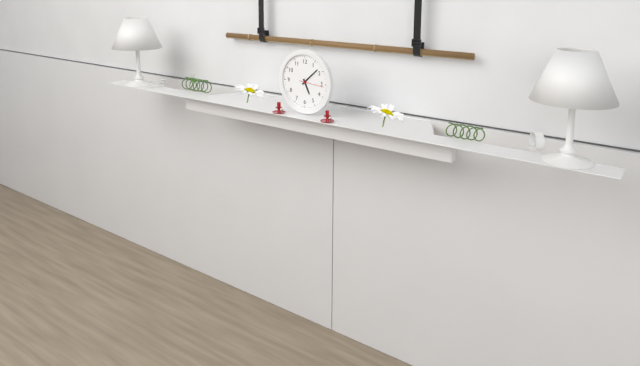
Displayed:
5,08
